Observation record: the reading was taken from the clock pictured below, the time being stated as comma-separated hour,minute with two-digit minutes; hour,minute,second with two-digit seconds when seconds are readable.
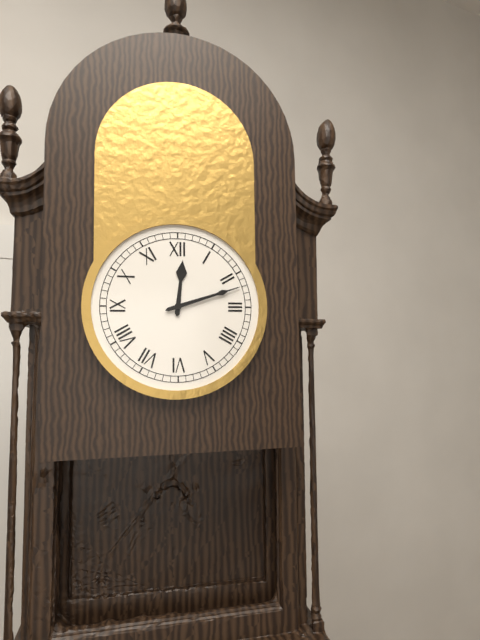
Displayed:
12,12
